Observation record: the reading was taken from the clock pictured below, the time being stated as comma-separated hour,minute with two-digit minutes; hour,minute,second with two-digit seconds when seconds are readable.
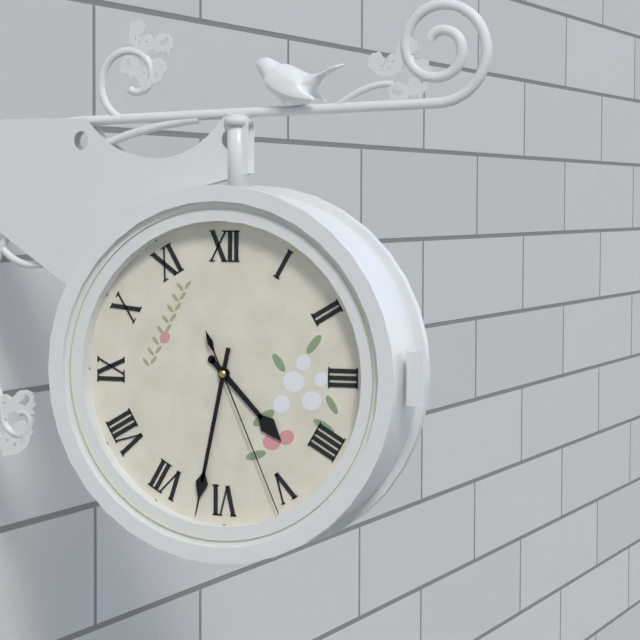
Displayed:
4,32,26
